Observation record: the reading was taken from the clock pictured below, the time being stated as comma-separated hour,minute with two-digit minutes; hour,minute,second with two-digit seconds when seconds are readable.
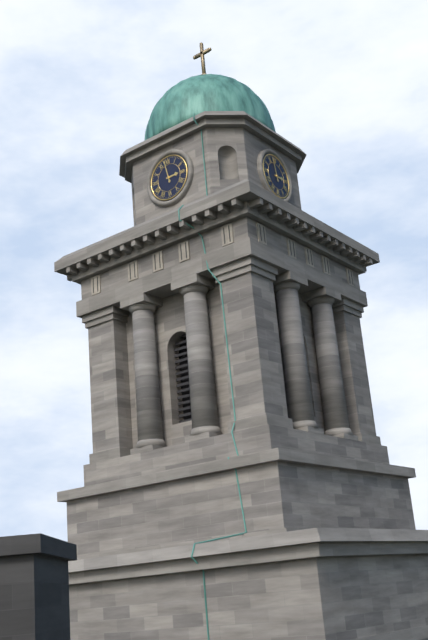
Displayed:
2,58
